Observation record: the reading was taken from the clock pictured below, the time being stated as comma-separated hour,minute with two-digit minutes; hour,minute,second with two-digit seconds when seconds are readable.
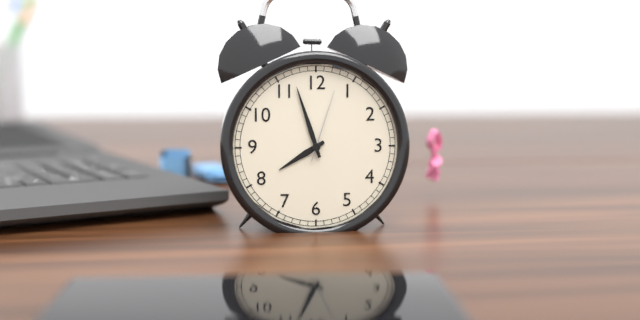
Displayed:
7,57,03
